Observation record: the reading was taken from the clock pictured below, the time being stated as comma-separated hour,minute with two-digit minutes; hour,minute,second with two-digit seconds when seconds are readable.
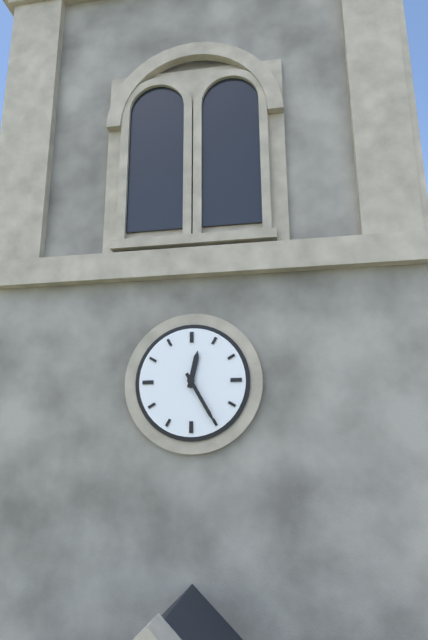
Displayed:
12,25
